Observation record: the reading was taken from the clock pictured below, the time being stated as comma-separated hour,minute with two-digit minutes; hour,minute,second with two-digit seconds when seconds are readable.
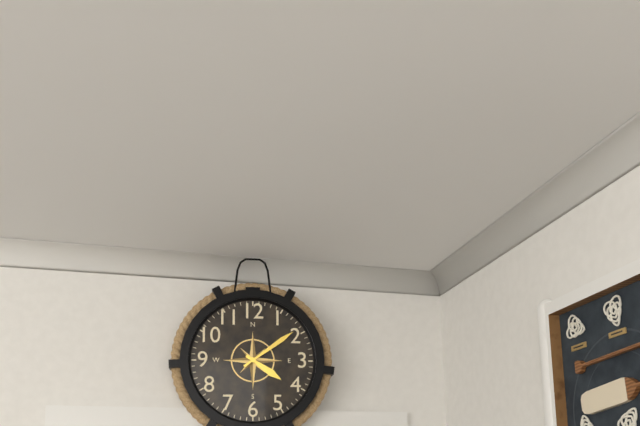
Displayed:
4,09
